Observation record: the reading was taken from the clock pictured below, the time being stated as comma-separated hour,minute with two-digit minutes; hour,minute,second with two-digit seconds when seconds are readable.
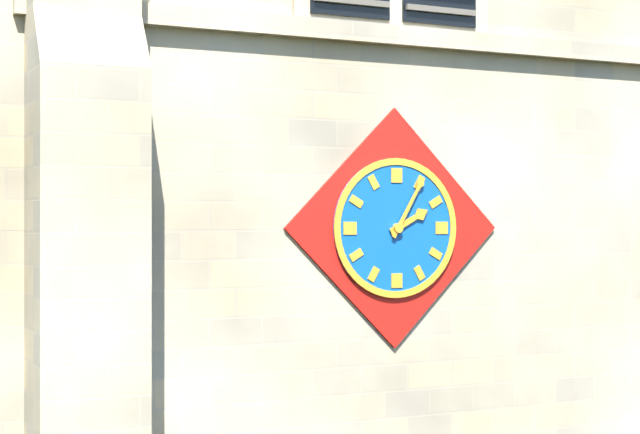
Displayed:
2,05
